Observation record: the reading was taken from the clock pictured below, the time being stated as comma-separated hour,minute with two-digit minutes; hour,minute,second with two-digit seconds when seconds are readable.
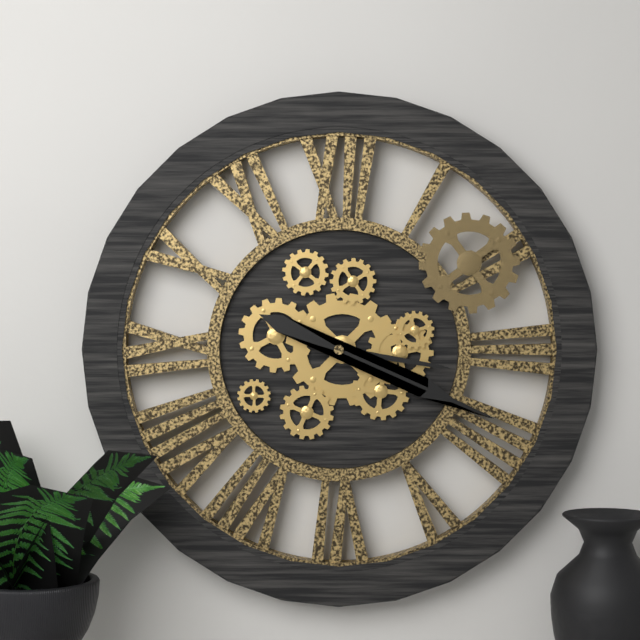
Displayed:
3,19
